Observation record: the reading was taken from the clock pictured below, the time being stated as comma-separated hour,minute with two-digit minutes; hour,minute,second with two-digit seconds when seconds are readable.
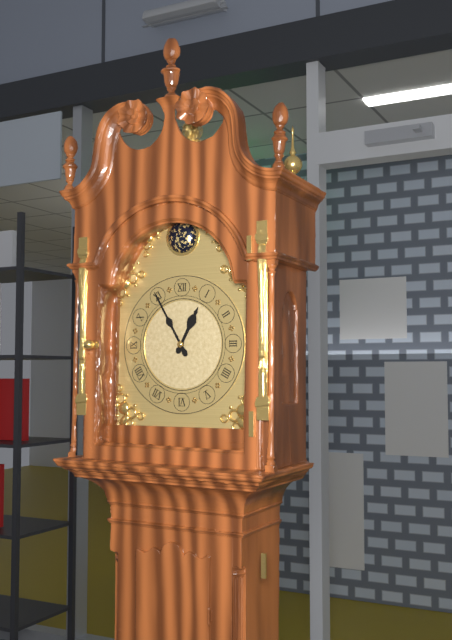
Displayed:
12,55
